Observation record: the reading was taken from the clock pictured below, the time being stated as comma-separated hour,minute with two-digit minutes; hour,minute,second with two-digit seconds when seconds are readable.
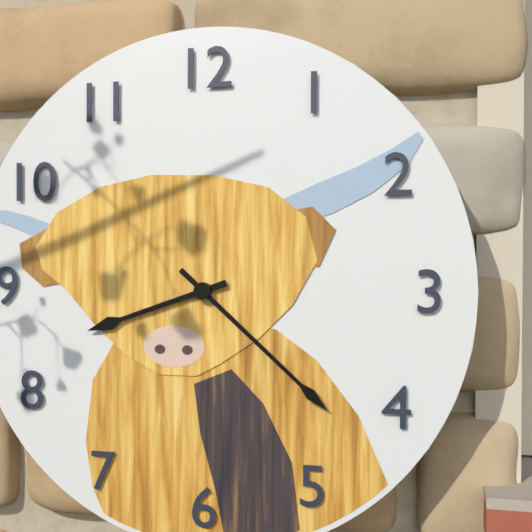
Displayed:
8,22
